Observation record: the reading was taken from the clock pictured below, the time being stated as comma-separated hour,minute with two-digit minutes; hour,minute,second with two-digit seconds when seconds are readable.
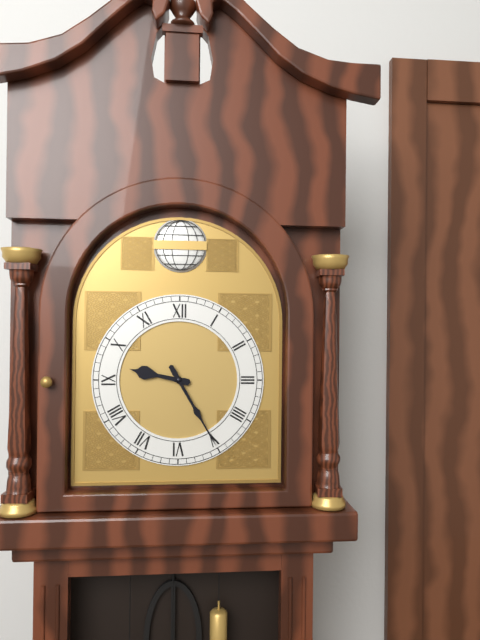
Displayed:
9,25
